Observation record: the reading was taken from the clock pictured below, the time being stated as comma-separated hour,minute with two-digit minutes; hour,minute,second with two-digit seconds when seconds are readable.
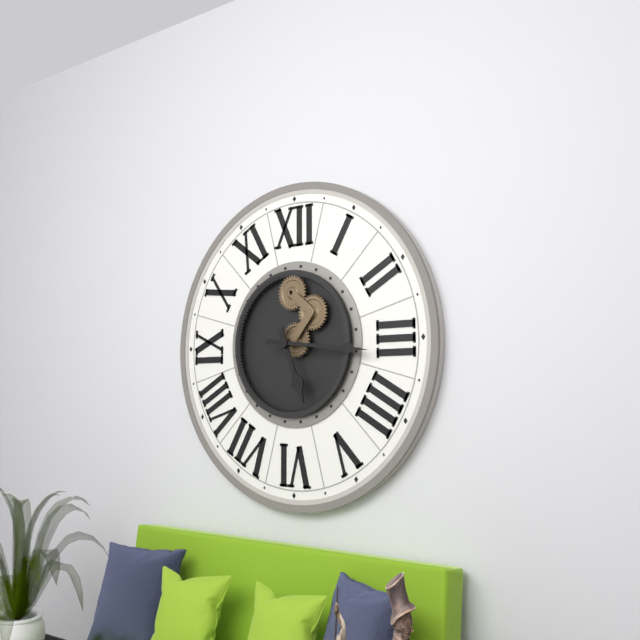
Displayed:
5,16
